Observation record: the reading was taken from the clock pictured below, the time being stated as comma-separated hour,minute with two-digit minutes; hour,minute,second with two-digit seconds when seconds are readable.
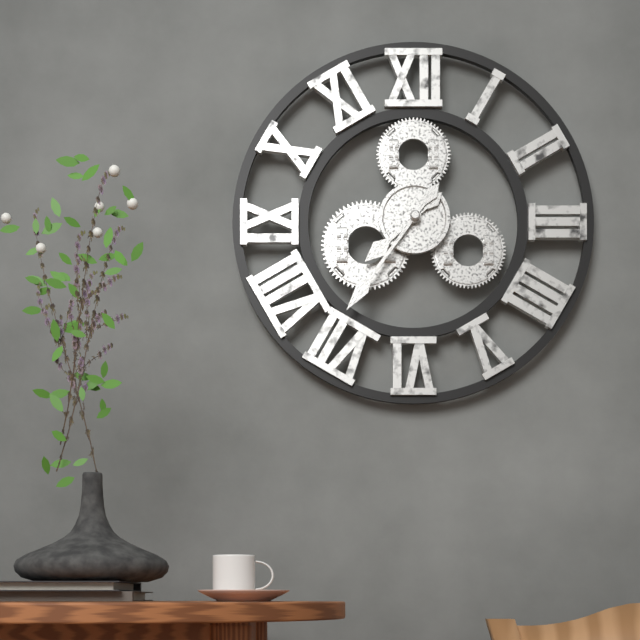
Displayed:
7,36
